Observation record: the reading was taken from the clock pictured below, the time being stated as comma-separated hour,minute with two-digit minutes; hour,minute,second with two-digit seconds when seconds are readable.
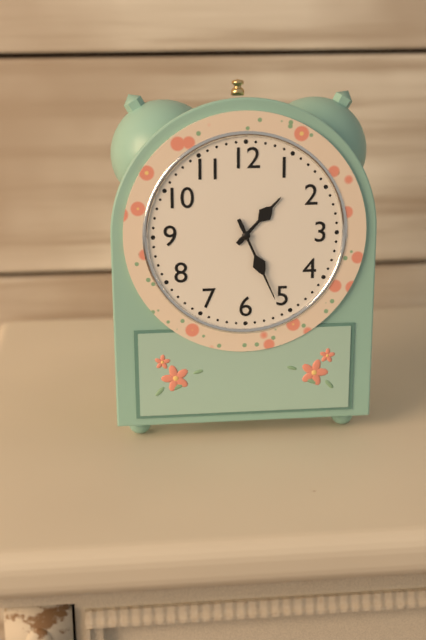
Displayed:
1,26
